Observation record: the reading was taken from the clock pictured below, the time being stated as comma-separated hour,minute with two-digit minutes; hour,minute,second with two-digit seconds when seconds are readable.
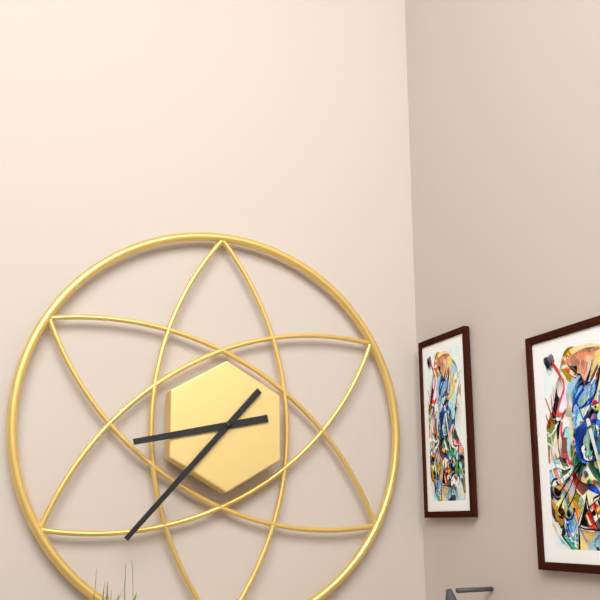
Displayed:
8,37
